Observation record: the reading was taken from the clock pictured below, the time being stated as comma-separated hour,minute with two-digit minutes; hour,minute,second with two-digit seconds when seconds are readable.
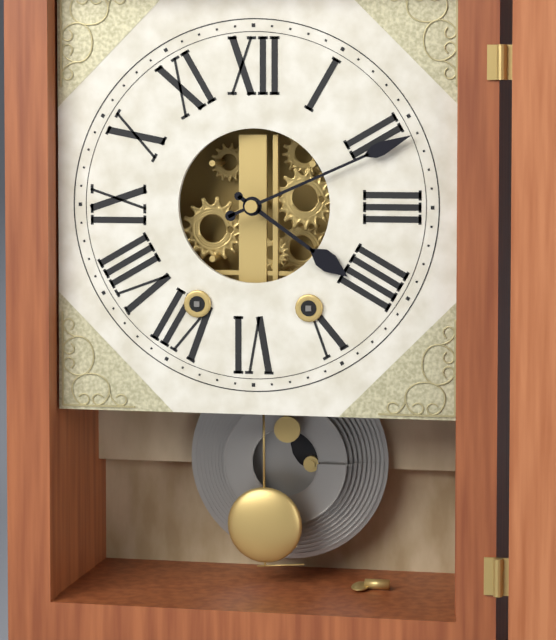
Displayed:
4,11
